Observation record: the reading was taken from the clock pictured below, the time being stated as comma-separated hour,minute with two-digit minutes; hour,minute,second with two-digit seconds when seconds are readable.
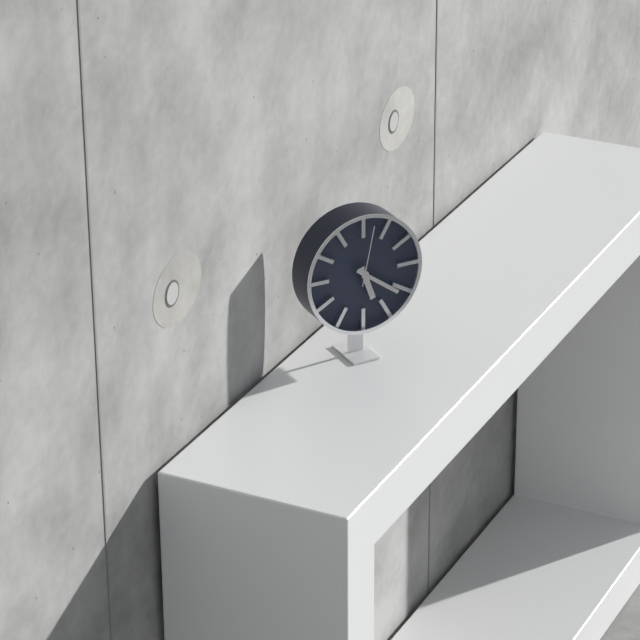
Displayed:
5,21,02
